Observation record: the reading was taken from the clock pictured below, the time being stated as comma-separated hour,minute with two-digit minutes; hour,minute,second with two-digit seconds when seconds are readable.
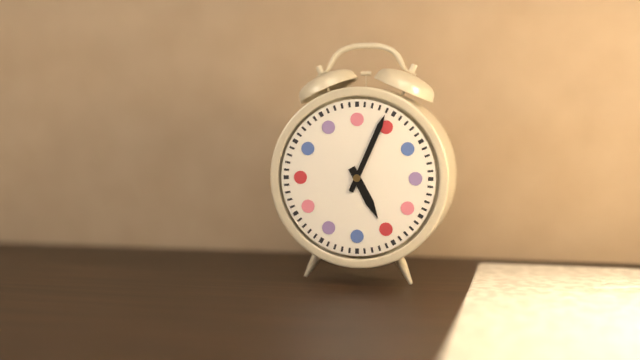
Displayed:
5,04
